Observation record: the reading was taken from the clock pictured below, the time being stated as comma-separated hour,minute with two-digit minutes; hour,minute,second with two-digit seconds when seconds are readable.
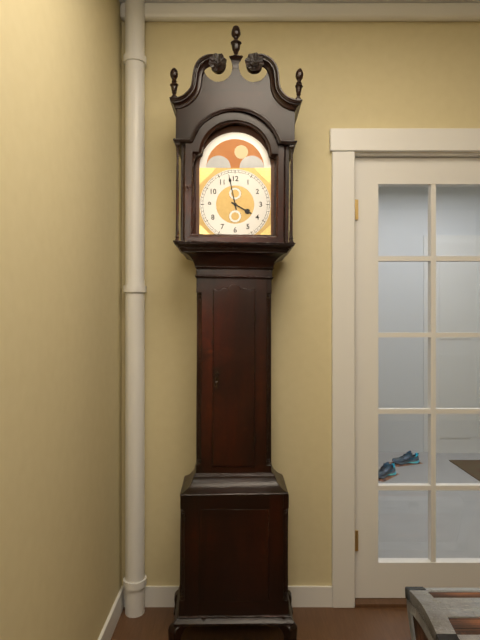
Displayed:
3,58
